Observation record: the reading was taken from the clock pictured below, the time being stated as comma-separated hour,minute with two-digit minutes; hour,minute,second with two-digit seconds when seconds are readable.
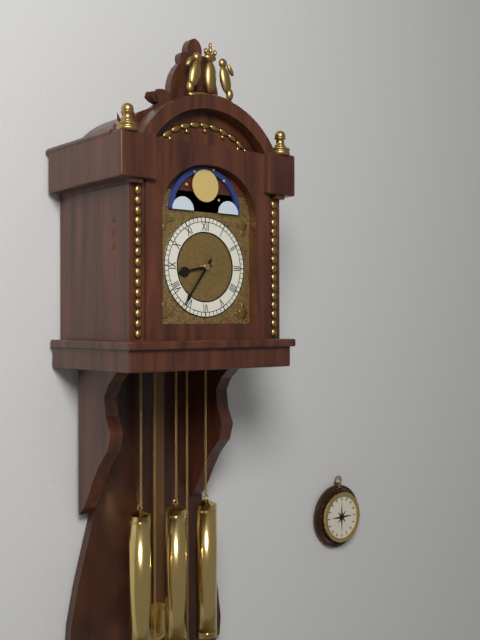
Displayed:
8,36
